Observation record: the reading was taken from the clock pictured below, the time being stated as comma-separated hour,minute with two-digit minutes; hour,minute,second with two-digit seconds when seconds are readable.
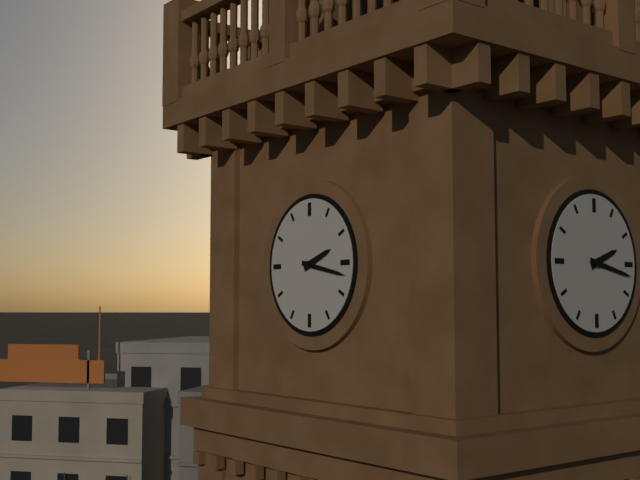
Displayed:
2,17
